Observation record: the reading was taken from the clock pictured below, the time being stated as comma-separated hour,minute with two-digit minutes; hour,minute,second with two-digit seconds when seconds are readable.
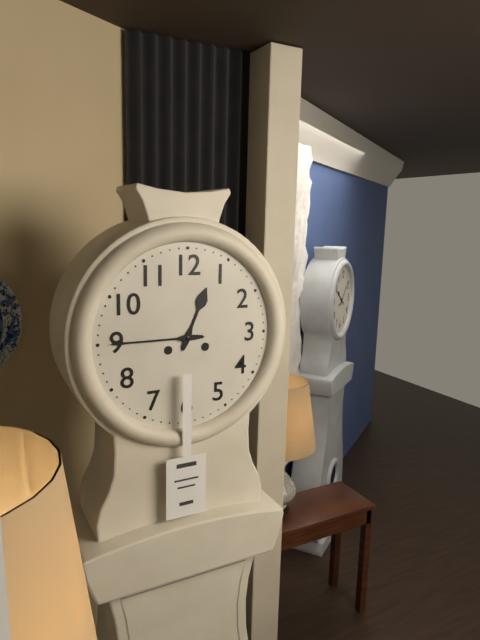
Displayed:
12,45
